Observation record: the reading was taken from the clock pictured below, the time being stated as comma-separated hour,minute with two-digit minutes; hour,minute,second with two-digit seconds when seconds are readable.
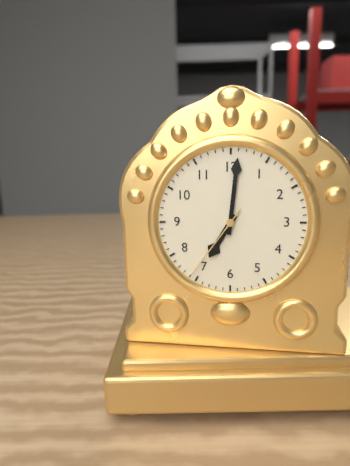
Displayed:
7,01,36
